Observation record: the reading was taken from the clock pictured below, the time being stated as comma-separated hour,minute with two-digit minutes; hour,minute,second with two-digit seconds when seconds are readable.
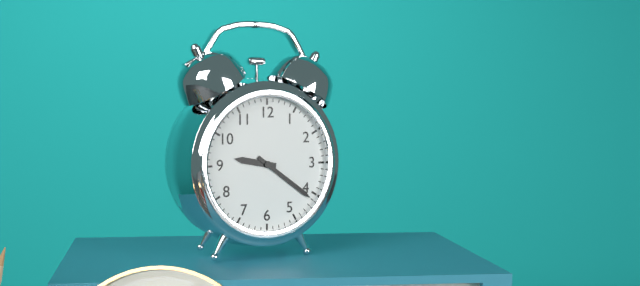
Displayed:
9,21
